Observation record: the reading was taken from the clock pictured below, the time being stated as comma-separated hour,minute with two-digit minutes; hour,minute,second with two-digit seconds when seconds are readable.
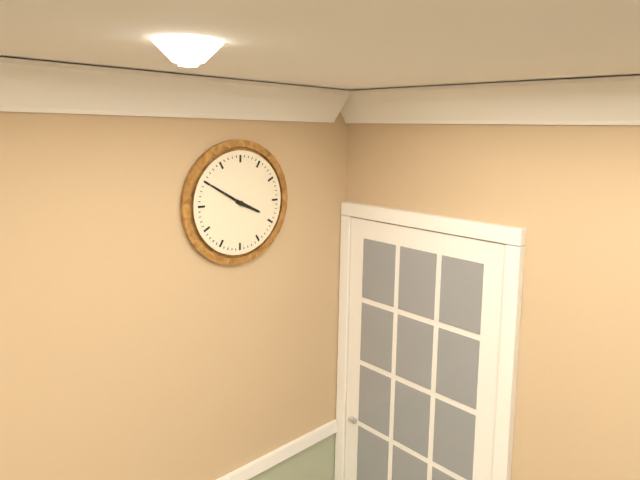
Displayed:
3,50
